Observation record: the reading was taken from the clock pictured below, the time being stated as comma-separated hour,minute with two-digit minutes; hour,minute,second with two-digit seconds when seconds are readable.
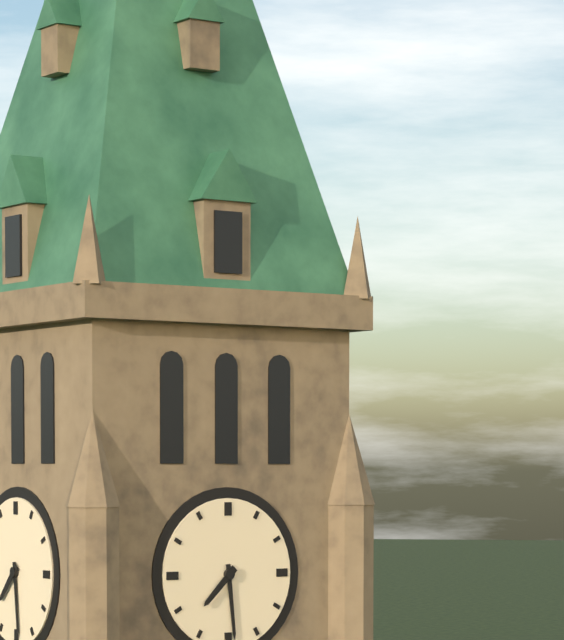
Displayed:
7,29
